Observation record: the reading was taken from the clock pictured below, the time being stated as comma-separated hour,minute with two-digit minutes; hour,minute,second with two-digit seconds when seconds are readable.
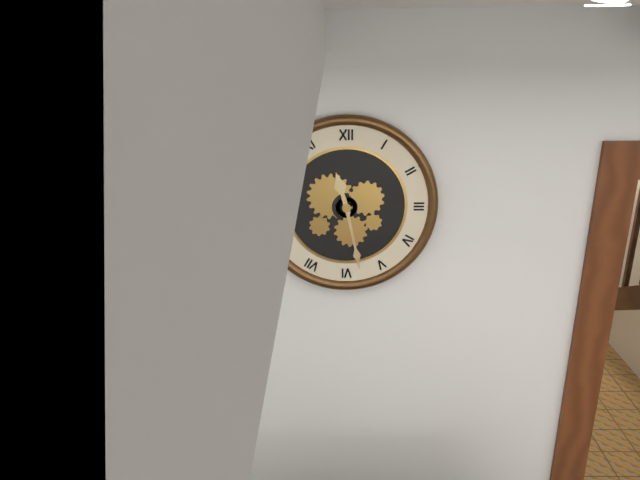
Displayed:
11,28
